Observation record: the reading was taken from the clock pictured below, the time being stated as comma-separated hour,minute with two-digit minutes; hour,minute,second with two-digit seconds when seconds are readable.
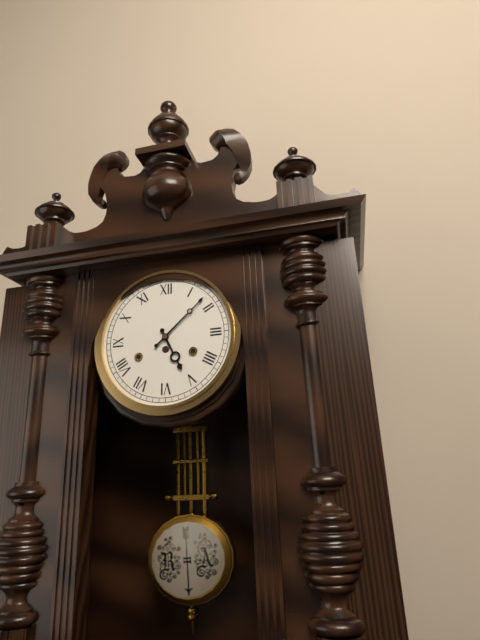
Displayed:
5,08
